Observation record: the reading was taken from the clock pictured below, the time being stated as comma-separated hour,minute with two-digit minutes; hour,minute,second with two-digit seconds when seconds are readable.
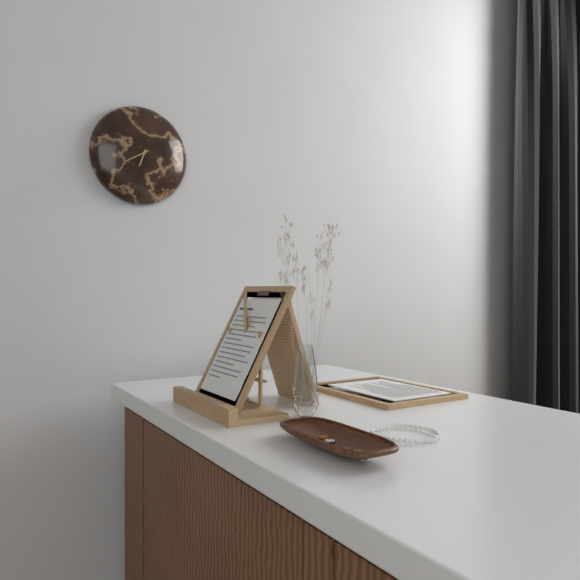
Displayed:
6,40
